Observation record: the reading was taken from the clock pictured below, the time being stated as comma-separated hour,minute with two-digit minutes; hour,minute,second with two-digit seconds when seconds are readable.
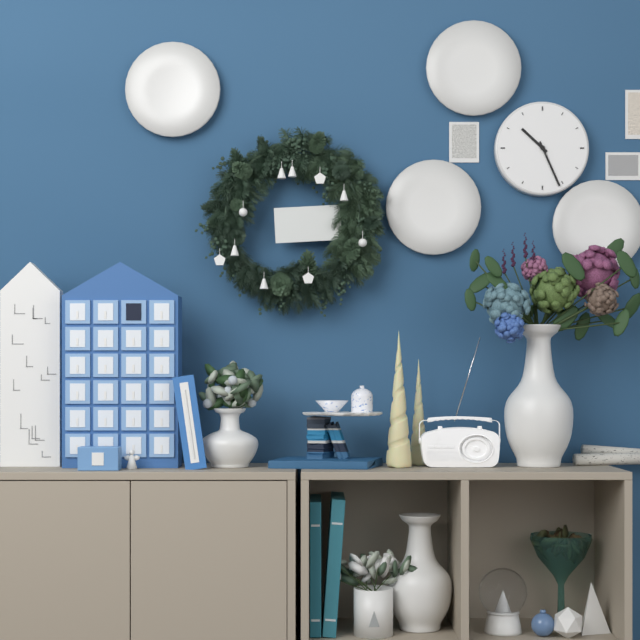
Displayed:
10,26
